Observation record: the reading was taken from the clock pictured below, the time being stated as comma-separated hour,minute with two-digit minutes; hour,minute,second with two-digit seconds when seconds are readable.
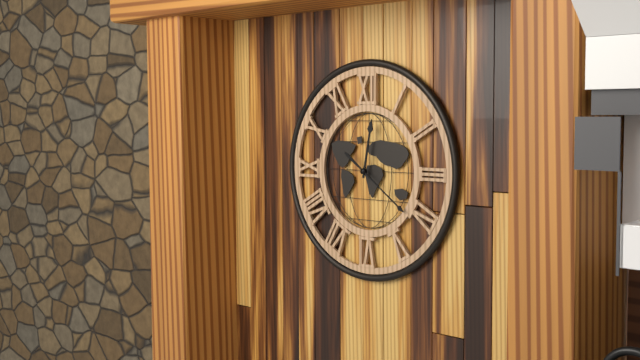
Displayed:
12,21
